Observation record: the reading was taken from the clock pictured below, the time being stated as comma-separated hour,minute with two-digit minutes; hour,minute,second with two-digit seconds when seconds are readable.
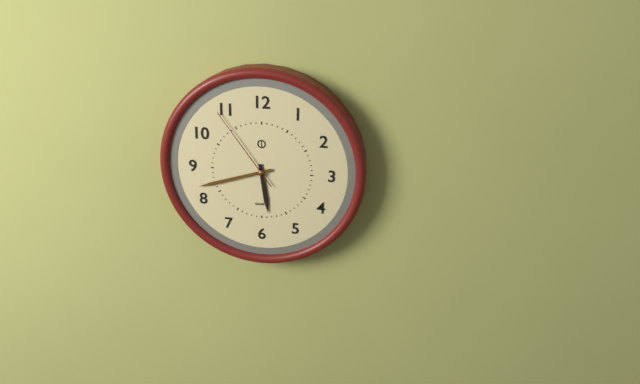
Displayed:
5,42,54
